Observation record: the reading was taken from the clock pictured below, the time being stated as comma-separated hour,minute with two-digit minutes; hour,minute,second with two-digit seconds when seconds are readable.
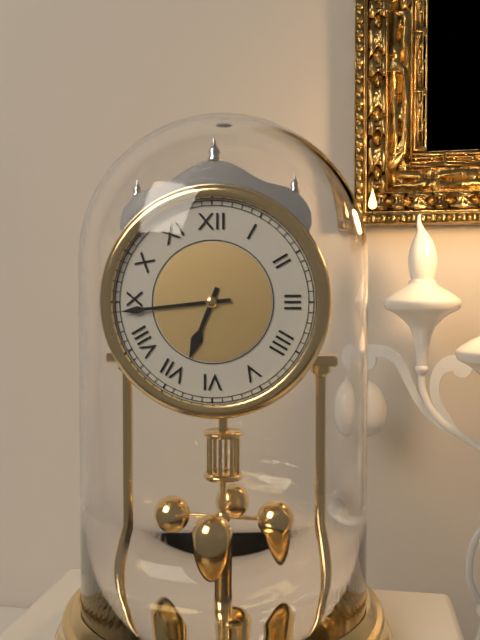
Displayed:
6,44
